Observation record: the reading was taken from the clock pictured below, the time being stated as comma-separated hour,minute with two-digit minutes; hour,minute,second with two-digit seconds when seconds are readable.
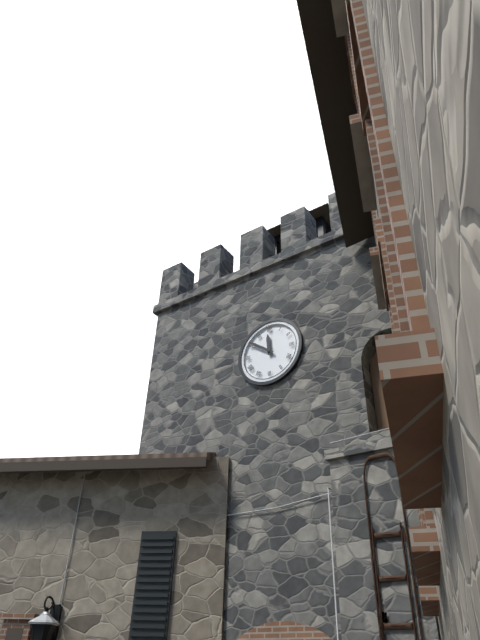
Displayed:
11,51
